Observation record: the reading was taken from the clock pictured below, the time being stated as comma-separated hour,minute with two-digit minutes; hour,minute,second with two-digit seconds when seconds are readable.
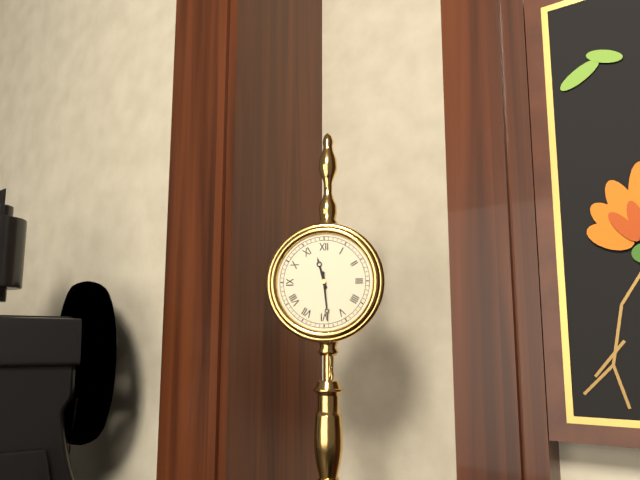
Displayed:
11,29
